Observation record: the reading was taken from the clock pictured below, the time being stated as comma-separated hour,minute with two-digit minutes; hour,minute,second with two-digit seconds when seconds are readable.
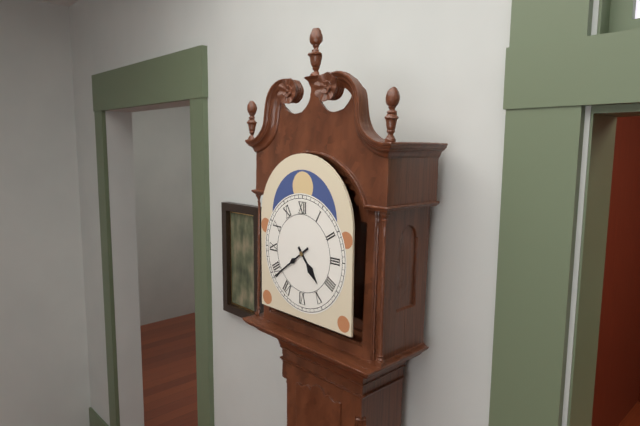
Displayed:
4,39
